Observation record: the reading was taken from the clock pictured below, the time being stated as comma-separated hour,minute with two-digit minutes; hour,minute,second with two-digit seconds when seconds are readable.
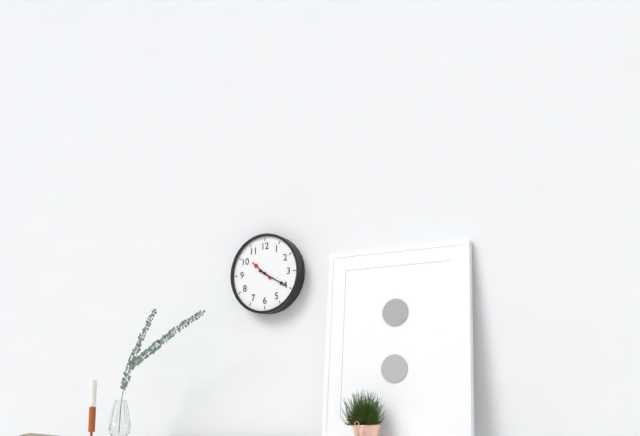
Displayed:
10,20
